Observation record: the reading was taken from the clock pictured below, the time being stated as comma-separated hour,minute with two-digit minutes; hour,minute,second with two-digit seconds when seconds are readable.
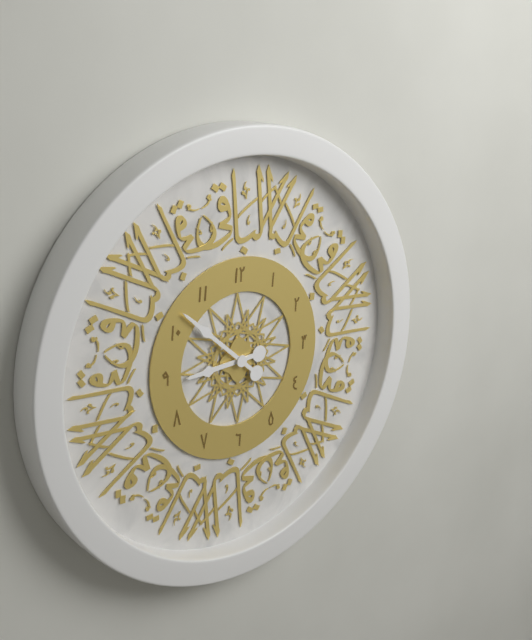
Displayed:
8,52
